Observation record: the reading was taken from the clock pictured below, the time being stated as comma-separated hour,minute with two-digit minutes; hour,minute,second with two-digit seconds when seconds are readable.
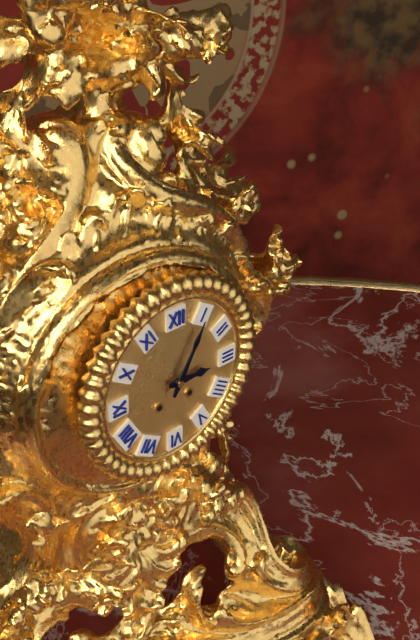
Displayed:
3,05
